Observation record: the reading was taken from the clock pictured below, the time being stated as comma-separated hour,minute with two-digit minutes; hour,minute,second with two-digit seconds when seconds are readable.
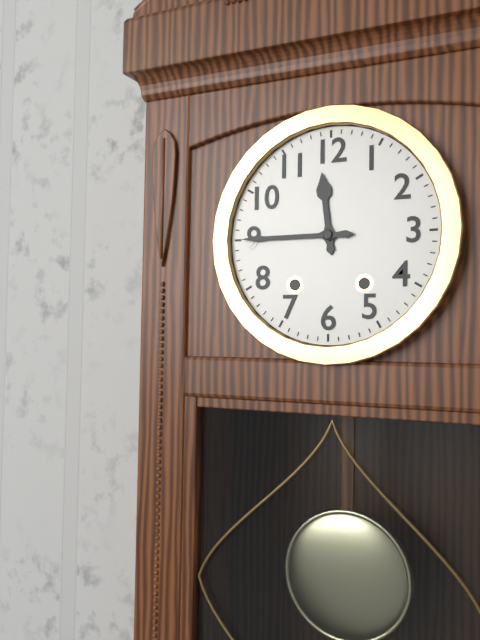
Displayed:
11,45
